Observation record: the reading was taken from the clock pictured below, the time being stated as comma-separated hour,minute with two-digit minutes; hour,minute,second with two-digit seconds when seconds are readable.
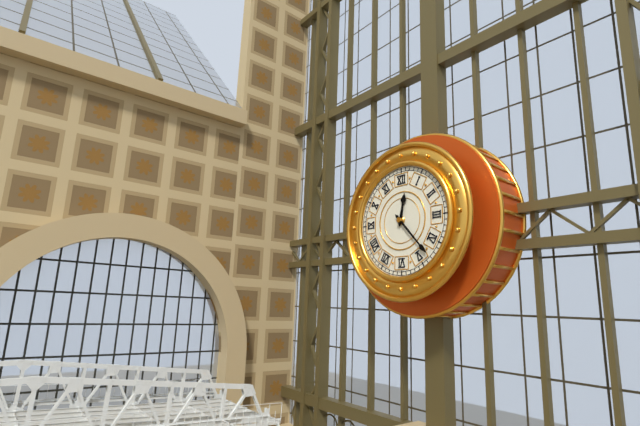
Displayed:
12,23
